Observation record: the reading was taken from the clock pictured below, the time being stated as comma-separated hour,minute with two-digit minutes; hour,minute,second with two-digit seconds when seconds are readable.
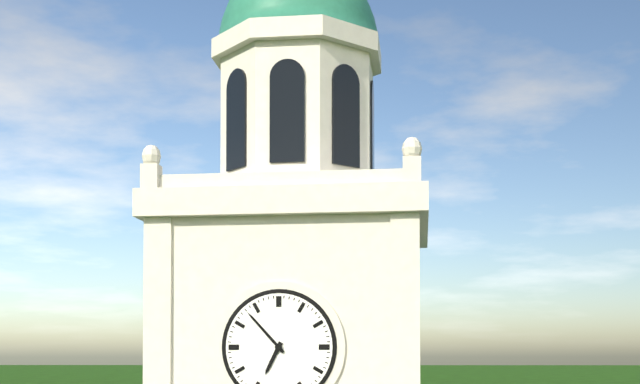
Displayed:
6,53
